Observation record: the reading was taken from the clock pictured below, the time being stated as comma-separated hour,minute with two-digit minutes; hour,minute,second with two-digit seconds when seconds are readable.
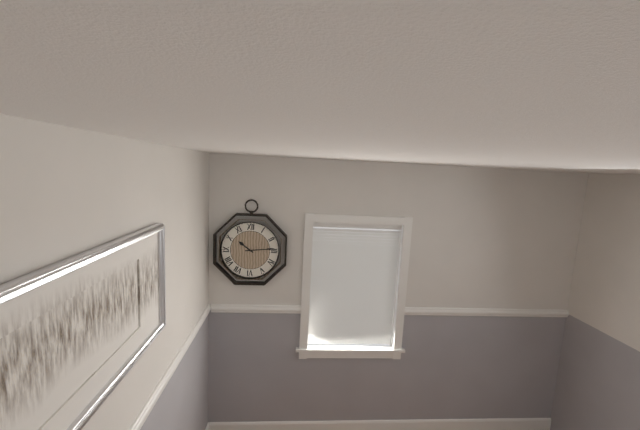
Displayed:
10,14
